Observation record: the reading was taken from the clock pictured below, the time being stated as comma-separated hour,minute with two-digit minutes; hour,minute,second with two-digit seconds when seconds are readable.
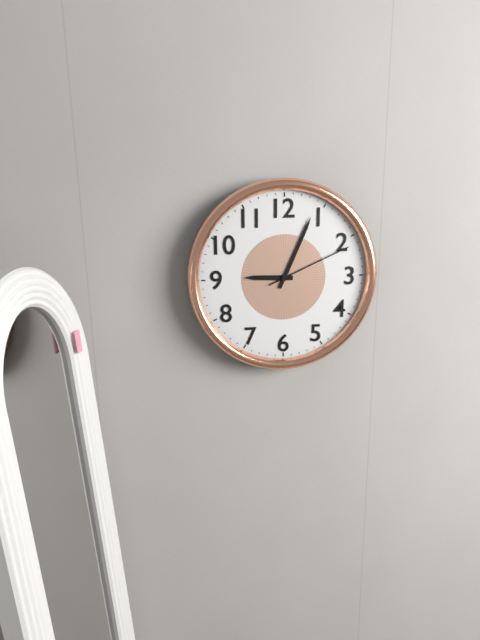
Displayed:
9,04,11
